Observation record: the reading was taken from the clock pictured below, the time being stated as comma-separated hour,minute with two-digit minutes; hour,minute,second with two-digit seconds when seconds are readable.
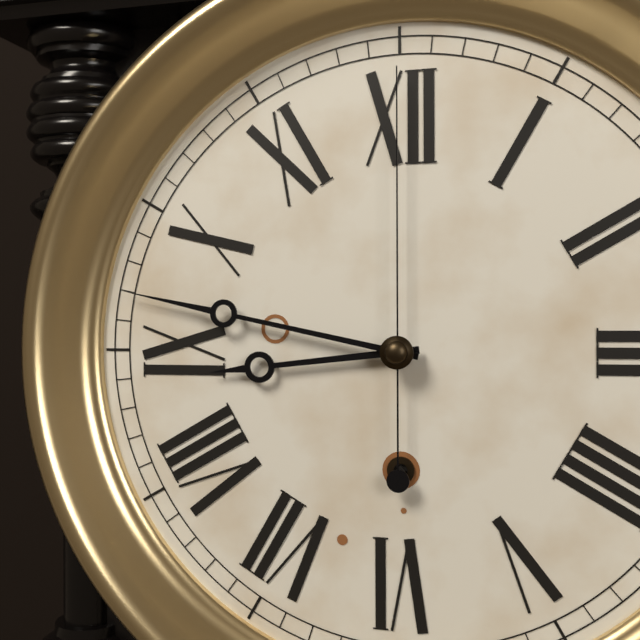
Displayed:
8,47,00
